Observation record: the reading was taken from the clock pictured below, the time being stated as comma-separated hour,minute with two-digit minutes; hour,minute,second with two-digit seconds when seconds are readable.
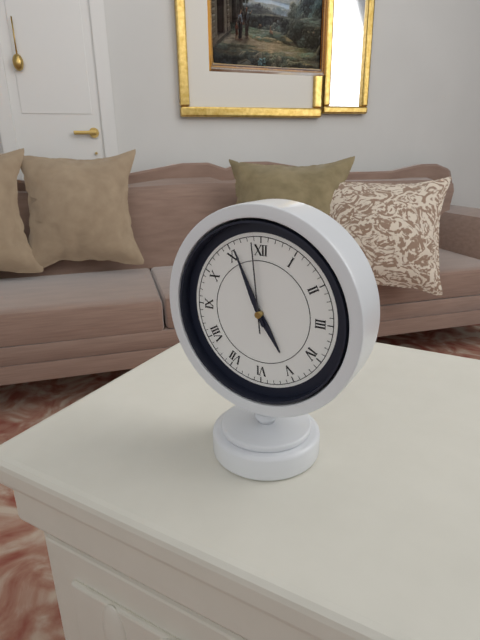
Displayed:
4,56,59
